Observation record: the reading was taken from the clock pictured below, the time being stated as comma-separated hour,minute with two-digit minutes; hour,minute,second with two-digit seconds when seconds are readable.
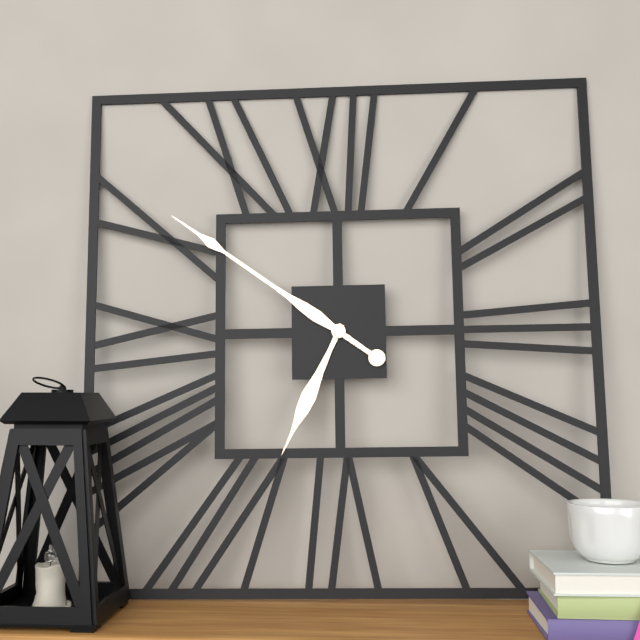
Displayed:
6,51
